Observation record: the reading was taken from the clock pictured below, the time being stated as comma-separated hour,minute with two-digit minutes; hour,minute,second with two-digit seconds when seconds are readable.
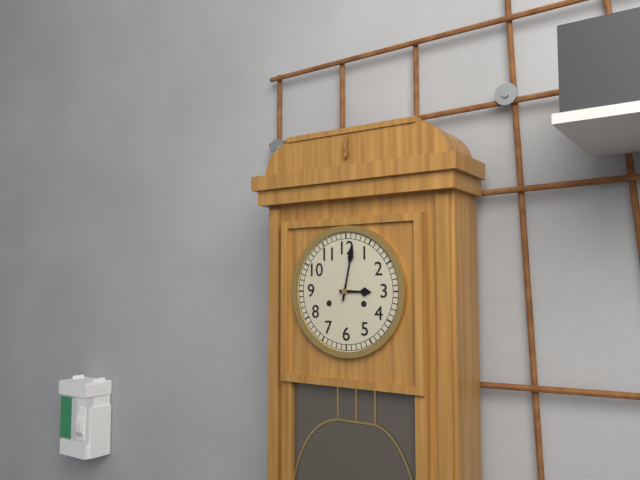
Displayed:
3,02
